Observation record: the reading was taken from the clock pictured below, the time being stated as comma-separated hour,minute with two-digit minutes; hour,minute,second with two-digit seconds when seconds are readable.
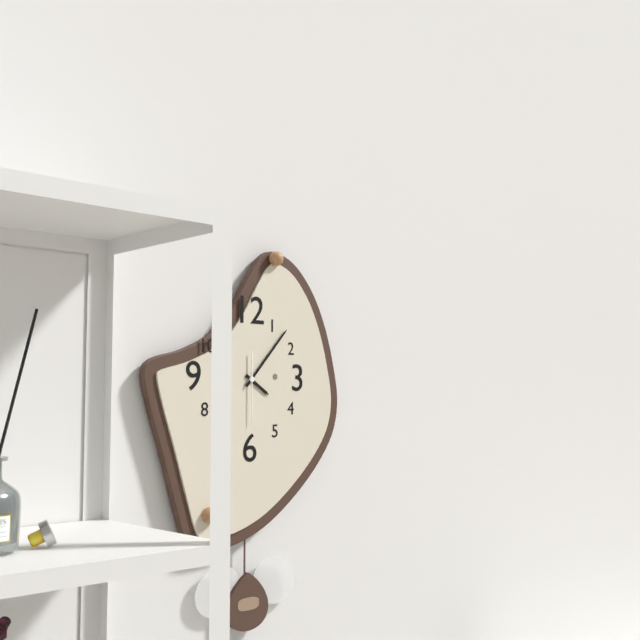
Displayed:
4,07,30
